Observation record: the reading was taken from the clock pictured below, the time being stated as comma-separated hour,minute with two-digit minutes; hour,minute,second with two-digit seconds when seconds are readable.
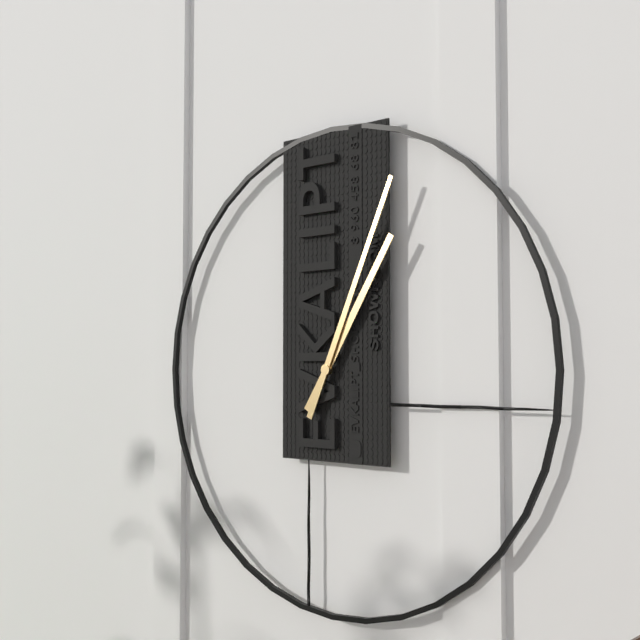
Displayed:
1,04
